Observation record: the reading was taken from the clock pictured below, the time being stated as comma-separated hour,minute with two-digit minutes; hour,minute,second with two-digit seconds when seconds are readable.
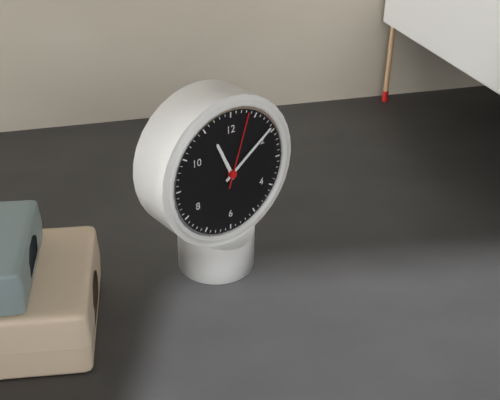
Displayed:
11,09,03
